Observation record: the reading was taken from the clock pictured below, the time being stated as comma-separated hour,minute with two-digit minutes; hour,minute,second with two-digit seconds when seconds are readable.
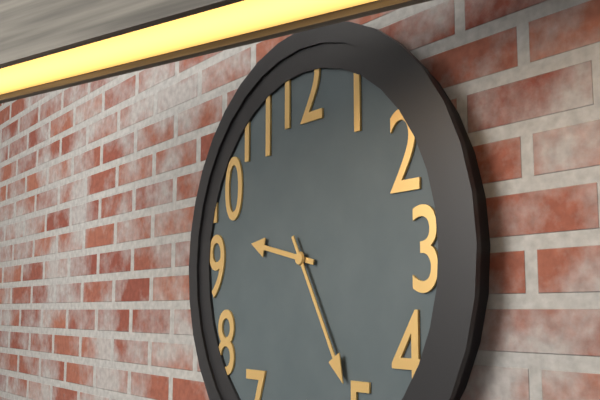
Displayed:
9,25
